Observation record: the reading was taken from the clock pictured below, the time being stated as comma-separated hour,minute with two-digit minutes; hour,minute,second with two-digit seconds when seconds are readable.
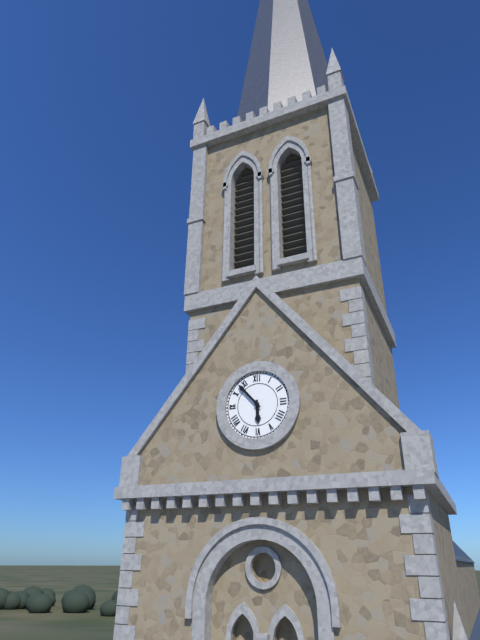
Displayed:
5,53
